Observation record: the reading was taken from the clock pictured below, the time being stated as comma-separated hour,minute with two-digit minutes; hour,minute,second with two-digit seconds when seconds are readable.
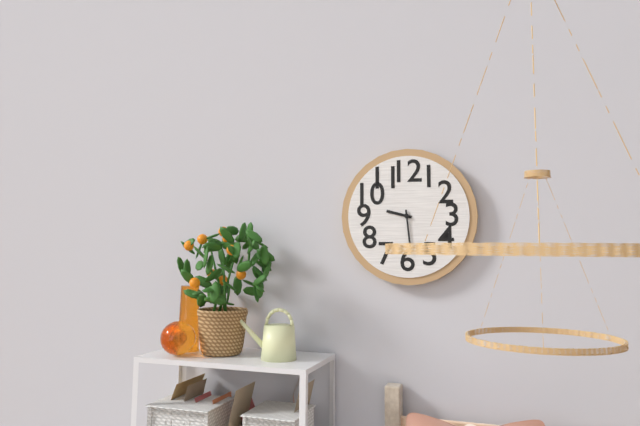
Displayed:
9,29
